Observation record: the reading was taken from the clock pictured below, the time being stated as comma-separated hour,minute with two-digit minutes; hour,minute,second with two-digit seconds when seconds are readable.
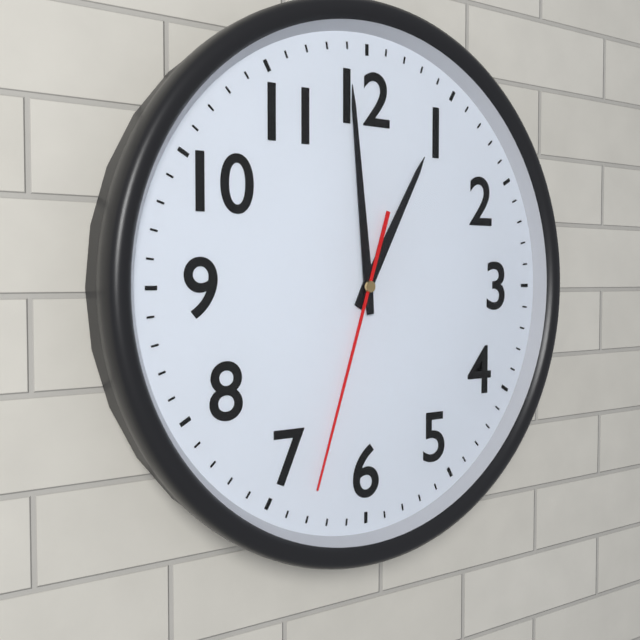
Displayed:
12,59,33
